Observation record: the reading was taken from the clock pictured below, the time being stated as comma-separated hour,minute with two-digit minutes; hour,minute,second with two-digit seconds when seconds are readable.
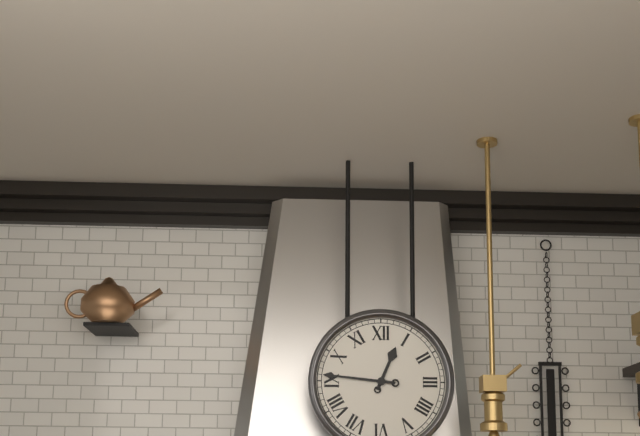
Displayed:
12,46
